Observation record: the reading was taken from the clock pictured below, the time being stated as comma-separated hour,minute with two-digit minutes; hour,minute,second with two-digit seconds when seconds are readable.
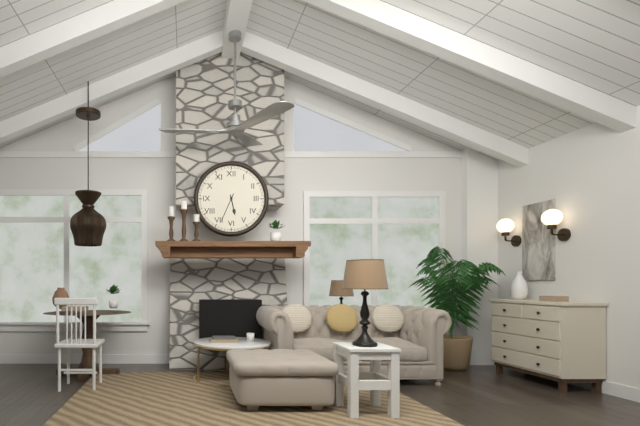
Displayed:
5,34
